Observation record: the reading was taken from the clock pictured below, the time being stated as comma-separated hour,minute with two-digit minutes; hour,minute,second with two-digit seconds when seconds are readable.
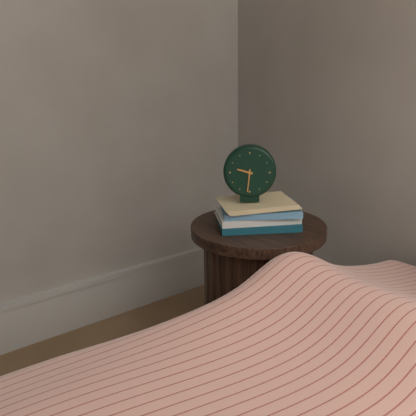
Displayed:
9,31
